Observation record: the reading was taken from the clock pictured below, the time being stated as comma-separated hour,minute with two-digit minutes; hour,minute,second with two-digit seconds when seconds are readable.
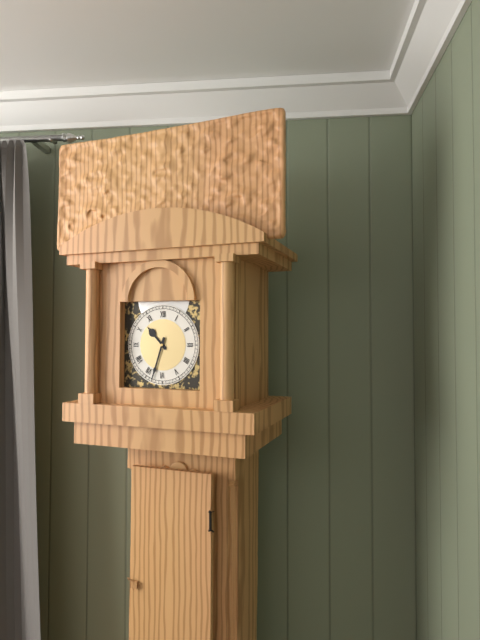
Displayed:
10,33
